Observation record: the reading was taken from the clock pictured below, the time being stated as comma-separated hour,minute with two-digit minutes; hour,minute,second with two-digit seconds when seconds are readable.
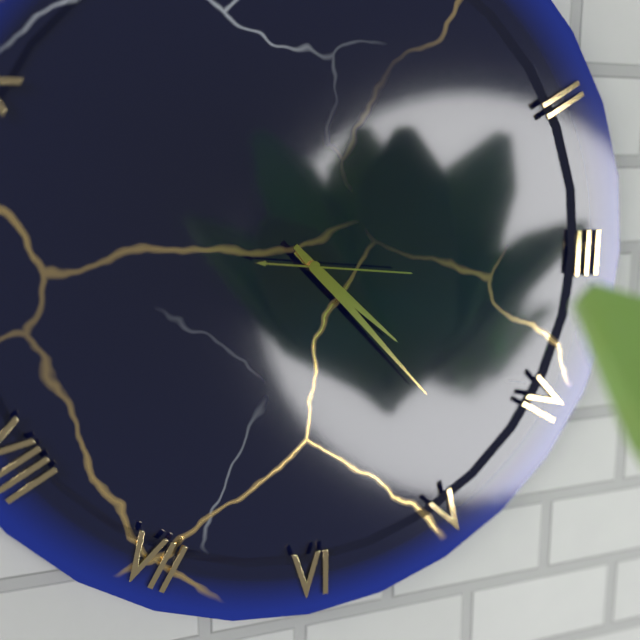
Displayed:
4,23,16
